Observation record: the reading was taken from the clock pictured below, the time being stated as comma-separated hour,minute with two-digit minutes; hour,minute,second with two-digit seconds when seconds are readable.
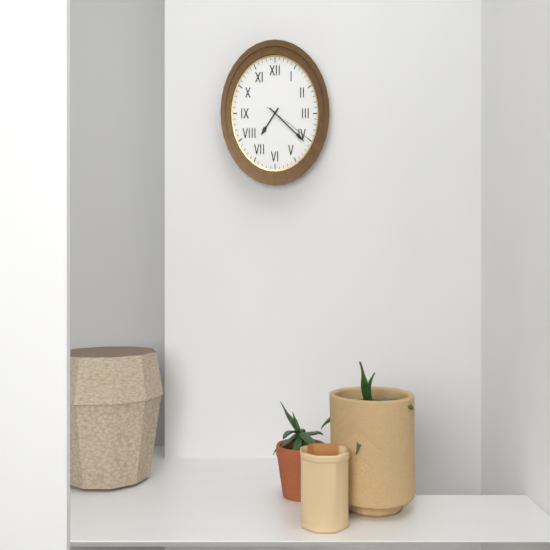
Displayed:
7,21,20
